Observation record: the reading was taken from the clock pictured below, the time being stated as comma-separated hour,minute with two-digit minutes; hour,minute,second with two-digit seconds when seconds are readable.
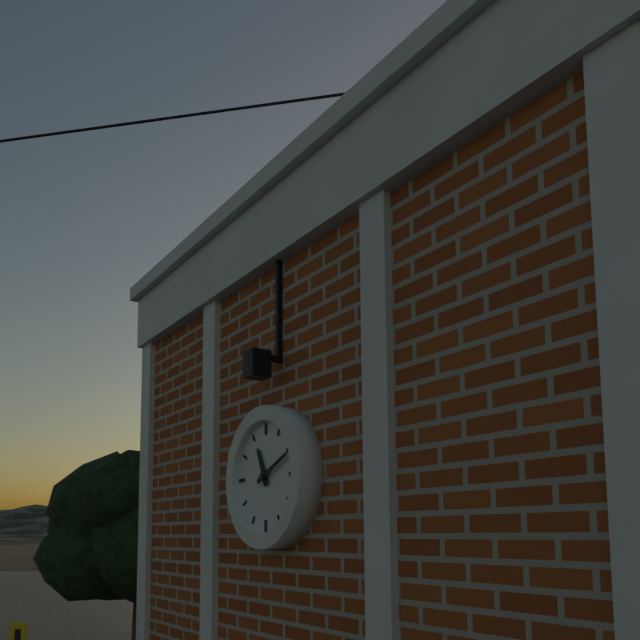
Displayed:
11,11
